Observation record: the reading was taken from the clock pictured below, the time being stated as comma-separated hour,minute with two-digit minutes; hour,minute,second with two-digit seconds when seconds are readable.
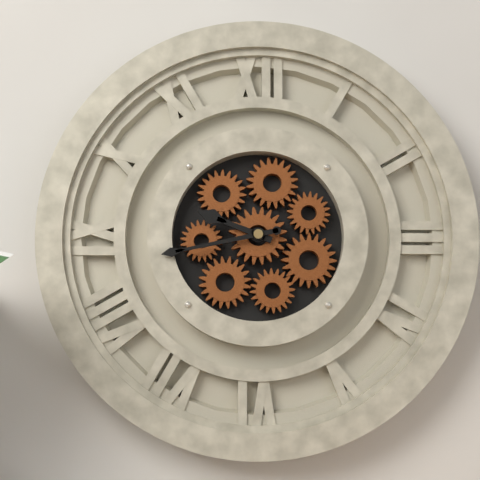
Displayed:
9,43
